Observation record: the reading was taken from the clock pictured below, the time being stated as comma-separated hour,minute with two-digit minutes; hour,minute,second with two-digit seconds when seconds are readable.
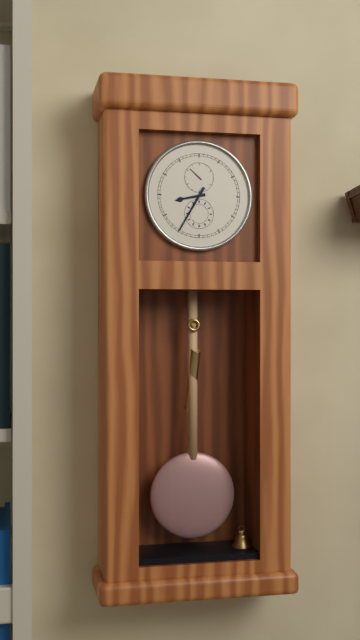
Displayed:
8,35
